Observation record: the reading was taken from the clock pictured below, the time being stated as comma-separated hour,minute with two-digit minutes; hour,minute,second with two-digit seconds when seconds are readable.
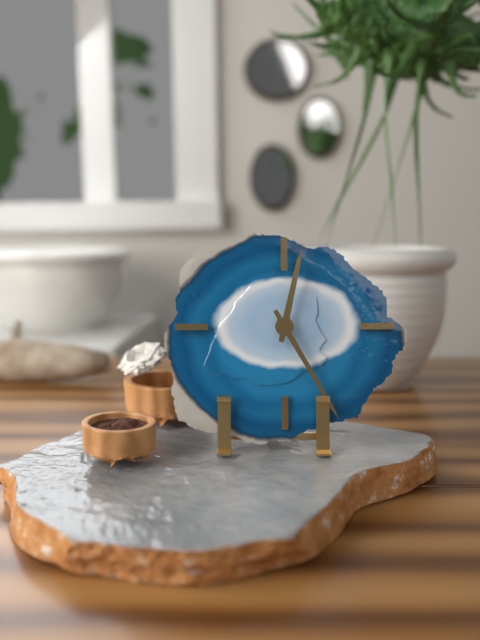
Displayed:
12,25
